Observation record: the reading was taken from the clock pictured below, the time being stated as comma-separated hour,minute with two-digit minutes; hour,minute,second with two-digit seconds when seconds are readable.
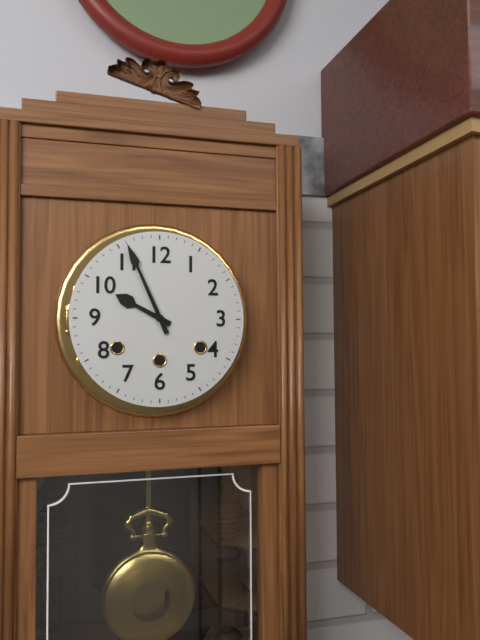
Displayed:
9,56
